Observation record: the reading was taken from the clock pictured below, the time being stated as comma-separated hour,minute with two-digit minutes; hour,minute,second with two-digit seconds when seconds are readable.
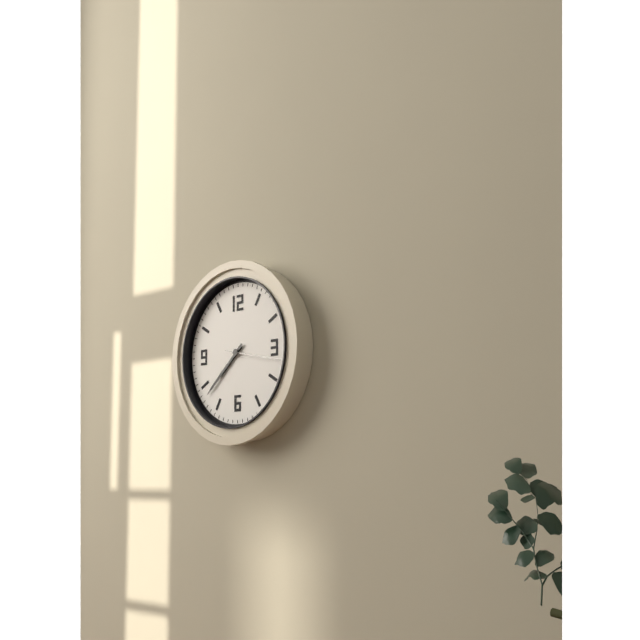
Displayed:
7,38,17
